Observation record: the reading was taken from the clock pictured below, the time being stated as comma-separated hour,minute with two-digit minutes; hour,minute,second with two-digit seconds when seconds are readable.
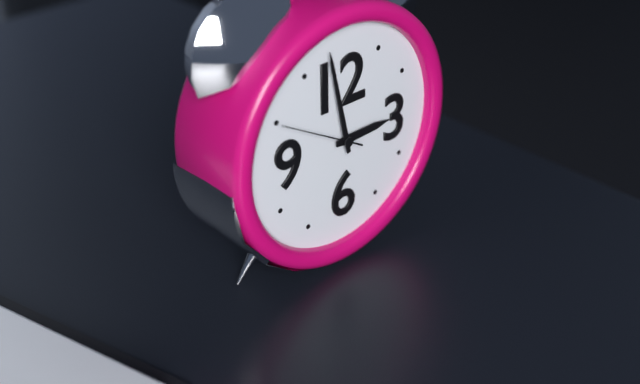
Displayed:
2,58,50
